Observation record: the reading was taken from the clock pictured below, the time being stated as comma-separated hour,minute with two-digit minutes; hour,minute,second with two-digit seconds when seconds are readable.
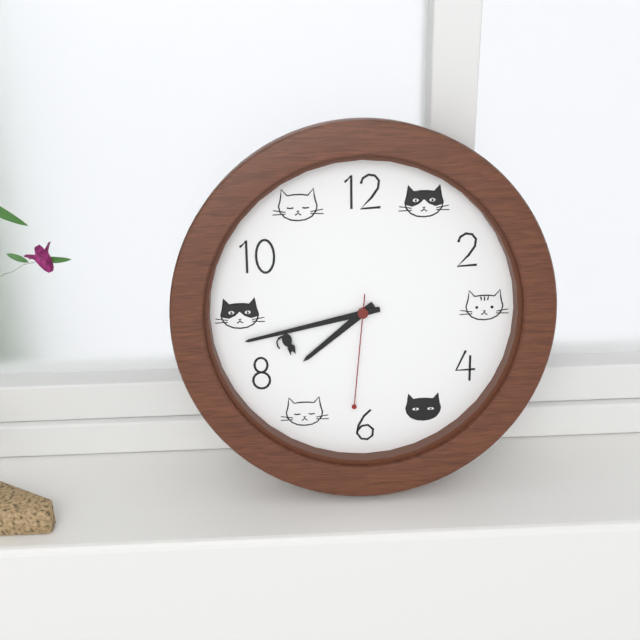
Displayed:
7,43,31
